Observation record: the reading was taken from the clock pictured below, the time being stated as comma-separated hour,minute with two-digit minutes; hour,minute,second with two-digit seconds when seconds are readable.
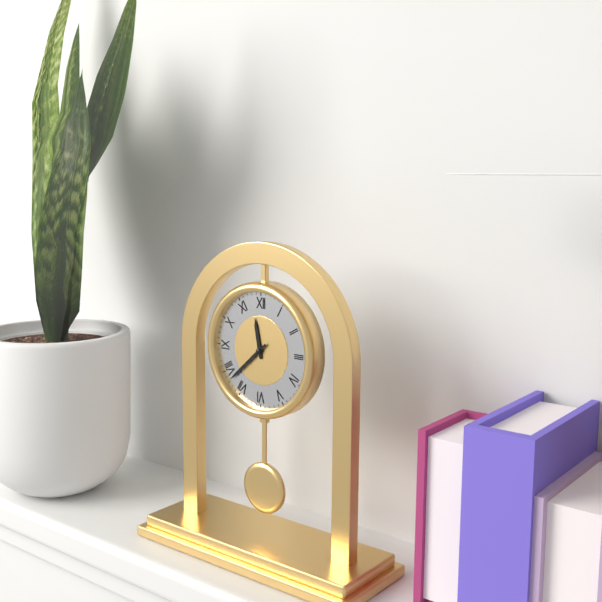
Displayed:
11,38
